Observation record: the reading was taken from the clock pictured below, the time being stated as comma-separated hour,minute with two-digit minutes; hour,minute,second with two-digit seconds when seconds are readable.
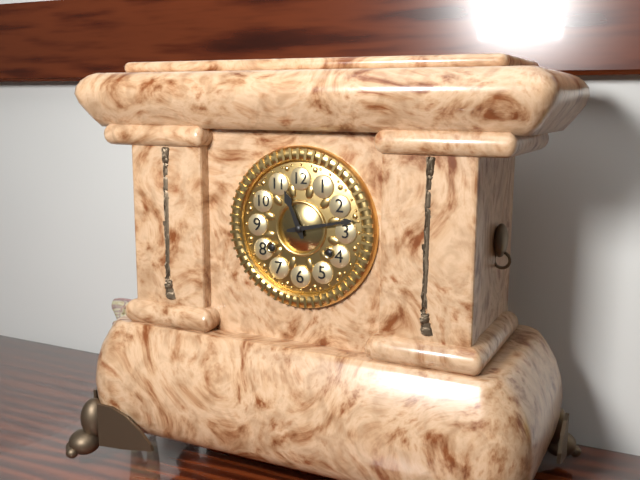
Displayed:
11,13
